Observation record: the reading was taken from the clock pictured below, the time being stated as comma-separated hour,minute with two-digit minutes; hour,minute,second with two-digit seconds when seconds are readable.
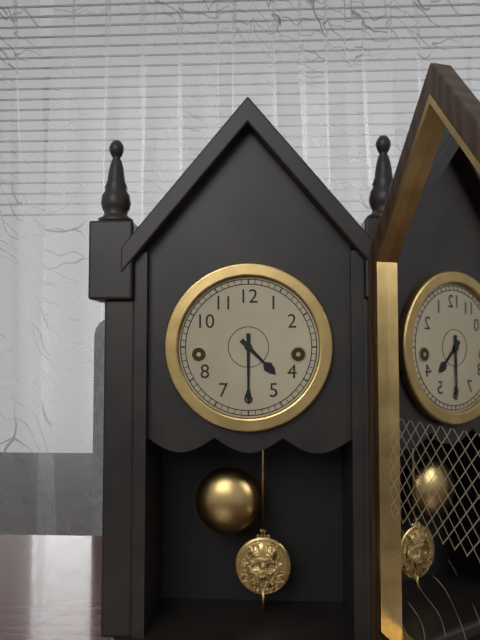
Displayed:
4,30
